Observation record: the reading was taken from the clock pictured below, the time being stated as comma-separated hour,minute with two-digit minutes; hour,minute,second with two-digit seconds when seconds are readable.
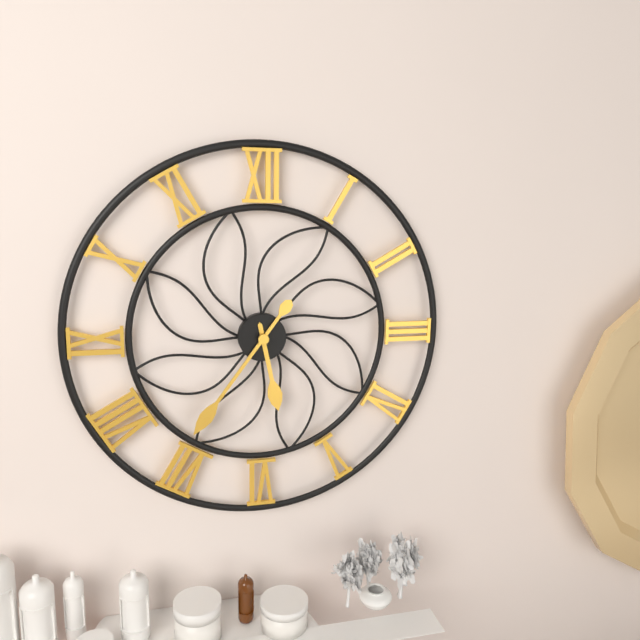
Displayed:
5,36
